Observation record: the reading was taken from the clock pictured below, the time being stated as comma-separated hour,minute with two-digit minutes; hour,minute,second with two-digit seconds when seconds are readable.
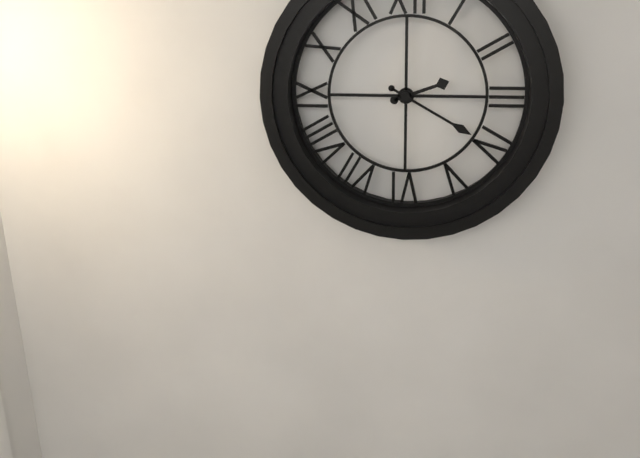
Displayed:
2,20
